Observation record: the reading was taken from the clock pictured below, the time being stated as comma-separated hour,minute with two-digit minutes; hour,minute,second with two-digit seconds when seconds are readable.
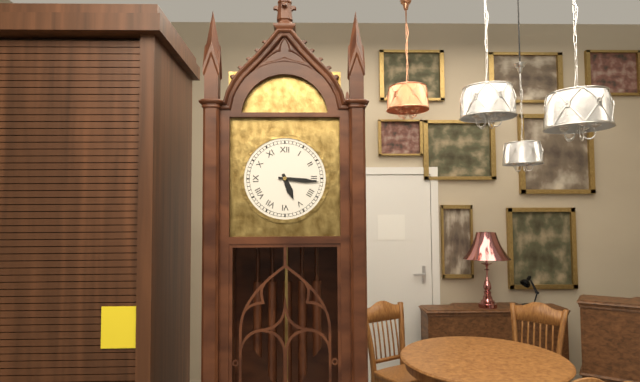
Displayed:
5,16
